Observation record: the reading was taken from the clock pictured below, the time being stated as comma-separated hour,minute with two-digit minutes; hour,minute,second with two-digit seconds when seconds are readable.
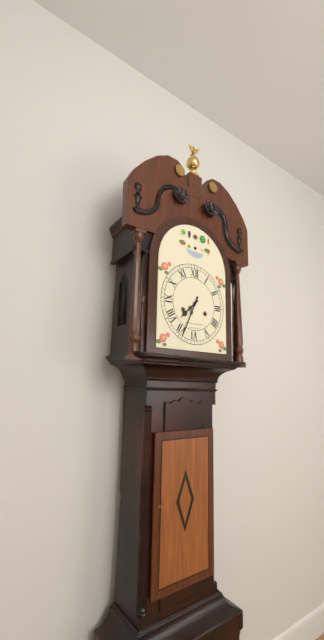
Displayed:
7,34
